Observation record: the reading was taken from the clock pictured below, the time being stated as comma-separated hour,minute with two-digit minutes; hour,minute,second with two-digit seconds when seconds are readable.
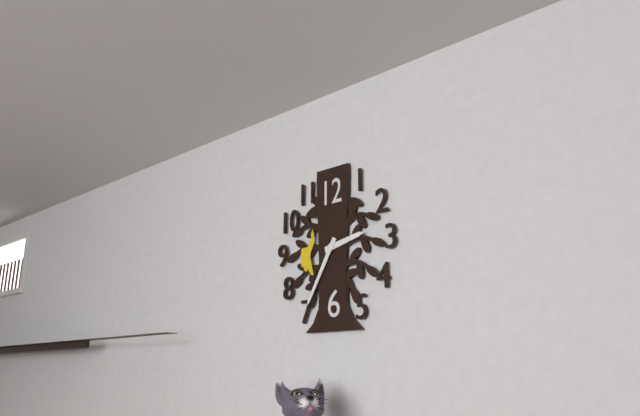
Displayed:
2,35
